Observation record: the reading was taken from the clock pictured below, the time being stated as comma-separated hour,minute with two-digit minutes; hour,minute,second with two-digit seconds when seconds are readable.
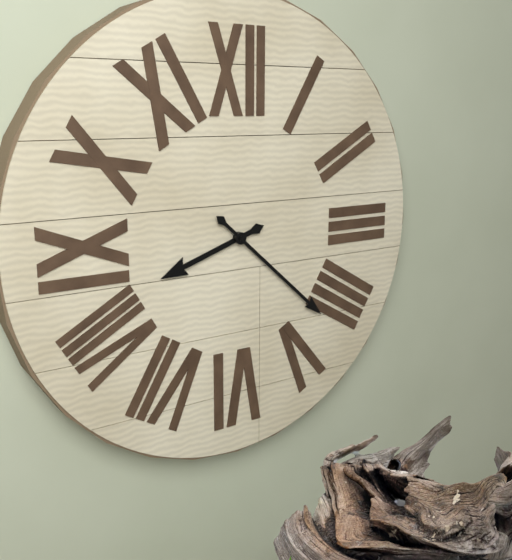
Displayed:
8,22
